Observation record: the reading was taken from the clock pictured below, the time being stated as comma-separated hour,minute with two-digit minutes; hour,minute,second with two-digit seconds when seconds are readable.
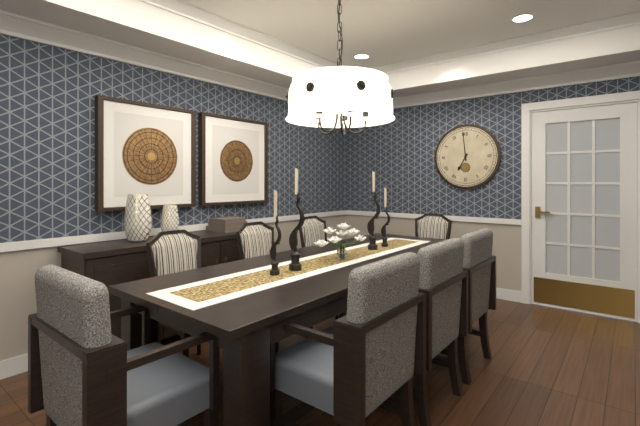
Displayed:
6,59
